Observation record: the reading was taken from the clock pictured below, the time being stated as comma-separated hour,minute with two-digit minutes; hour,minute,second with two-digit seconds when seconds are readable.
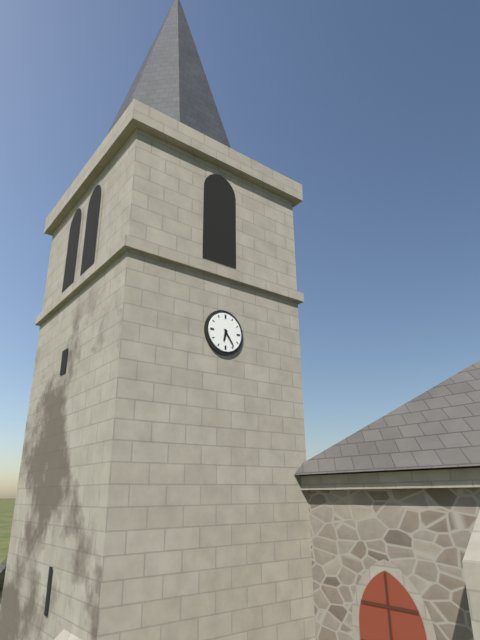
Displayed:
6,24
